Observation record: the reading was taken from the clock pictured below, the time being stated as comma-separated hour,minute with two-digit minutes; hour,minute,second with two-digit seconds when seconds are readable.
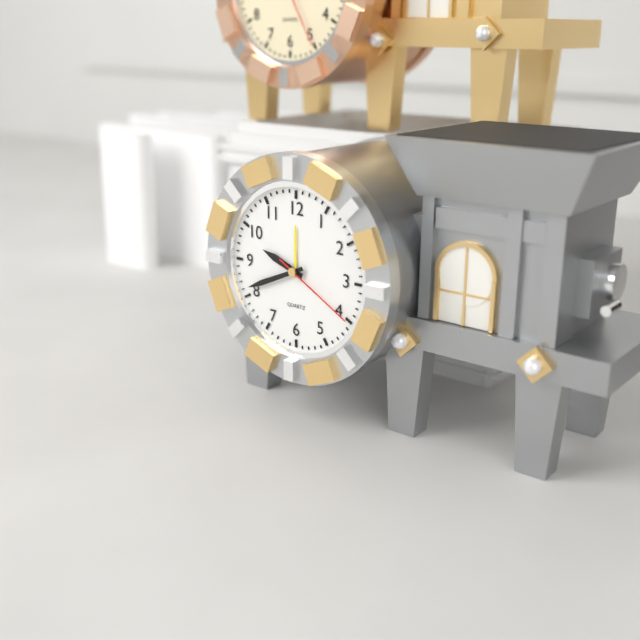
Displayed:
9,41,20
